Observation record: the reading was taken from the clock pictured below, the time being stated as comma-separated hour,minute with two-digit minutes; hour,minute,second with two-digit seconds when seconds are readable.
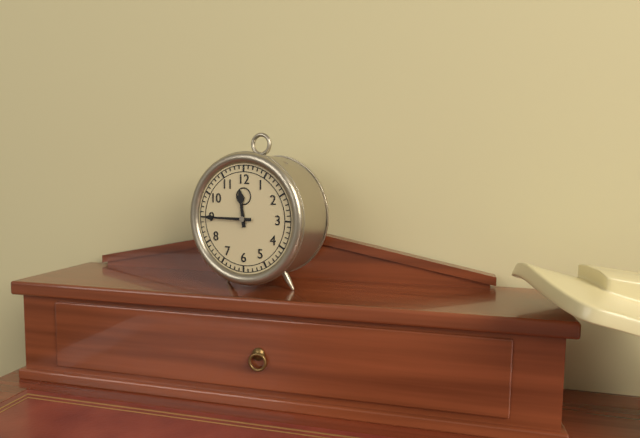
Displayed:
11,45
